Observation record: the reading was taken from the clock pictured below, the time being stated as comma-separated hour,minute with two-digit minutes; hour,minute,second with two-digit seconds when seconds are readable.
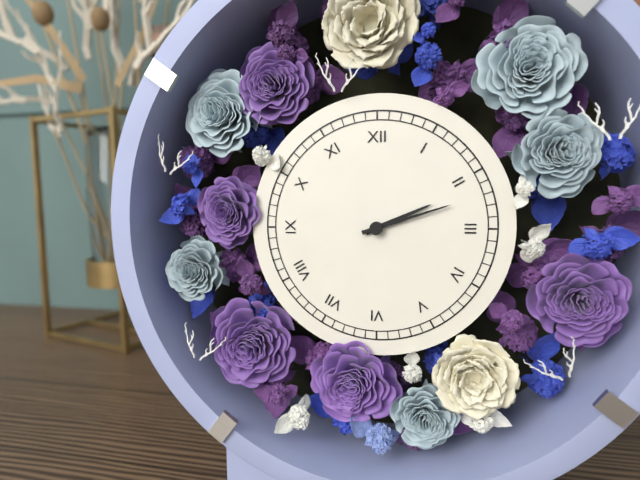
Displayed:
2,12
